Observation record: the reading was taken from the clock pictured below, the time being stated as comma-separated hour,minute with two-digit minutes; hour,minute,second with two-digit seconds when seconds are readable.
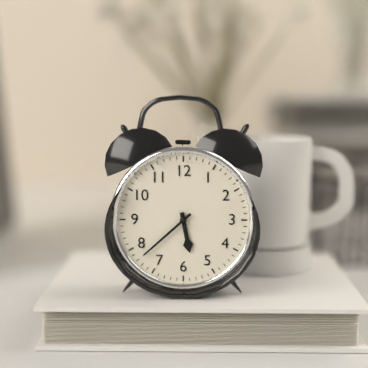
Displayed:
5,38
